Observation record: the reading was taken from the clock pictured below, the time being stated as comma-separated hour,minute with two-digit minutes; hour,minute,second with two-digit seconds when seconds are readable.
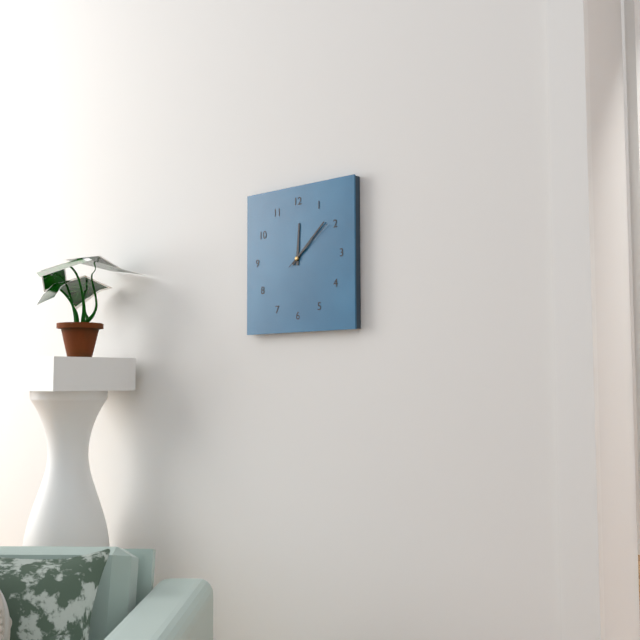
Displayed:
12,08,09
